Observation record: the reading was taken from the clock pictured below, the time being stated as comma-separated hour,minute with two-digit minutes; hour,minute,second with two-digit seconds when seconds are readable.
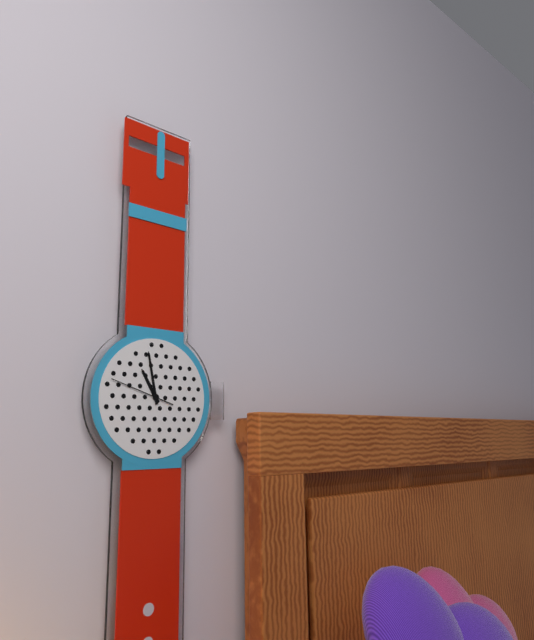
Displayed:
10,58
